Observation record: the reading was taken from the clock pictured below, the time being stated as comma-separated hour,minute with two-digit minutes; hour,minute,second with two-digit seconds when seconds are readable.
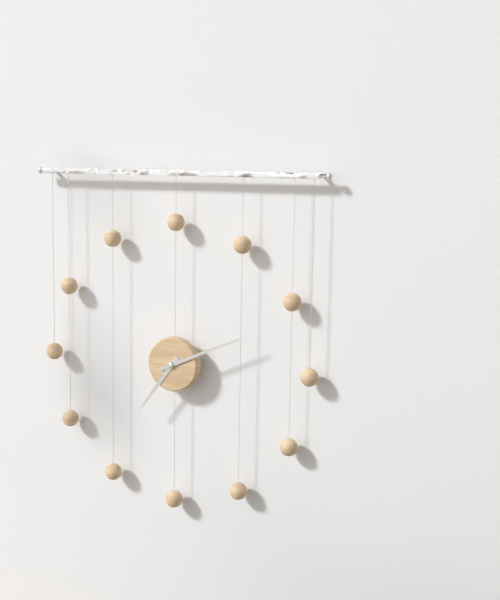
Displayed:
7,11
